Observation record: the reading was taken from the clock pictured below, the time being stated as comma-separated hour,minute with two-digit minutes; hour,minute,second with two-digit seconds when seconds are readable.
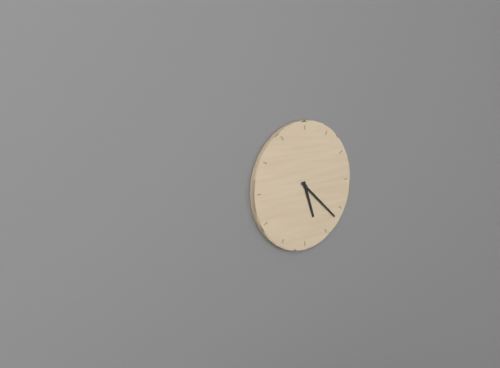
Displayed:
5,22
